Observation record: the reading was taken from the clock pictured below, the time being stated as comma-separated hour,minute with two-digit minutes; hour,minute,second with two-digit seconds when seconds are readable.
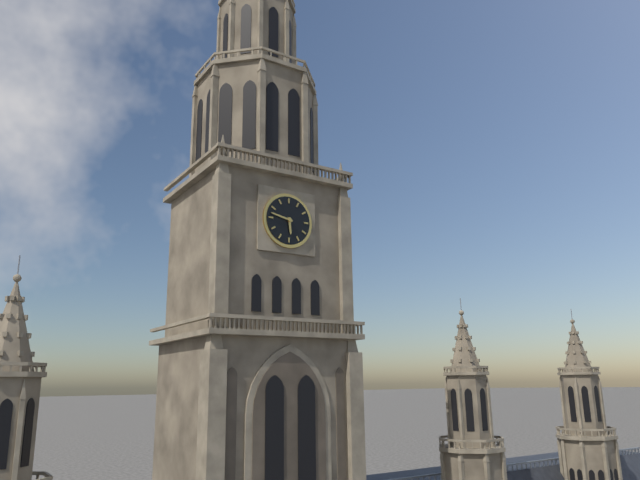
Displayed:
5,47
